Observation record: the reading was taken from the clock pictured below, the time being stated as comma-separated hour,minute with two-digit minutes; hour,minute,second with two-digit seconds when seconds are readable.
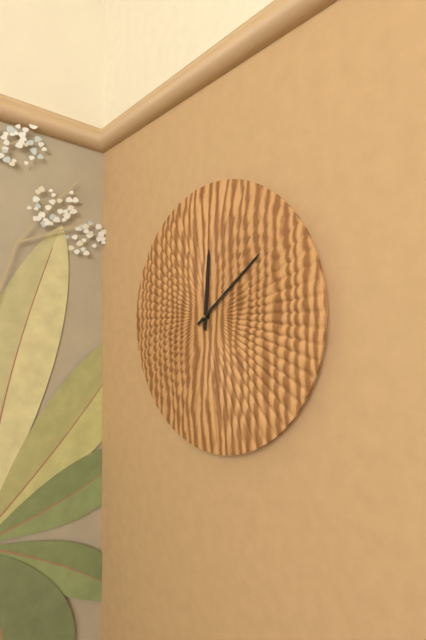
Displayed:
12,09
